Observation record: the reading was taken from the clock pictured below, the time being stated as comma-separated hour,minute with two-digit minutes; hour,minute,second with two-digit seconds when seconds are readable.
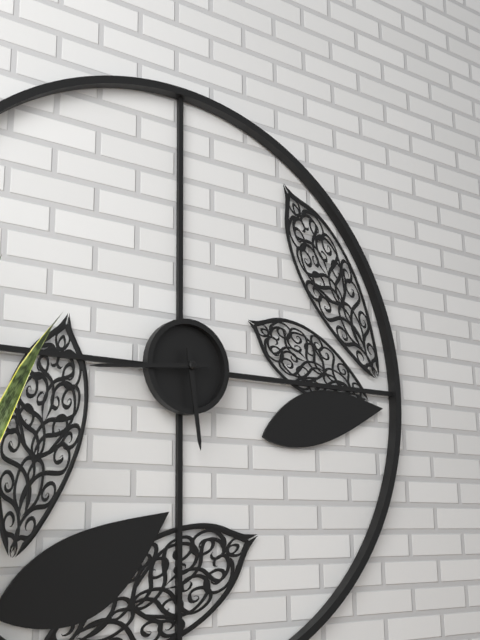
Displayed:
5,44
